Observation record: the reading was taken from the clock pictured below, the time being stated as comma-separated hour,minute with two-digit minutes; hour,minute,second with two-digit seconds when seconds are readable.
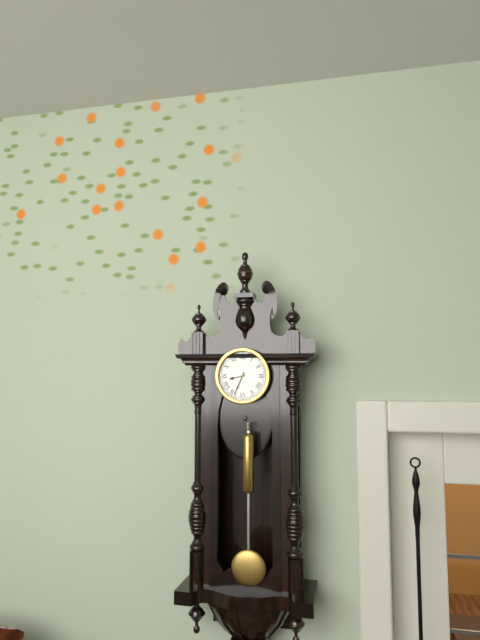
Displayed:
8,34
